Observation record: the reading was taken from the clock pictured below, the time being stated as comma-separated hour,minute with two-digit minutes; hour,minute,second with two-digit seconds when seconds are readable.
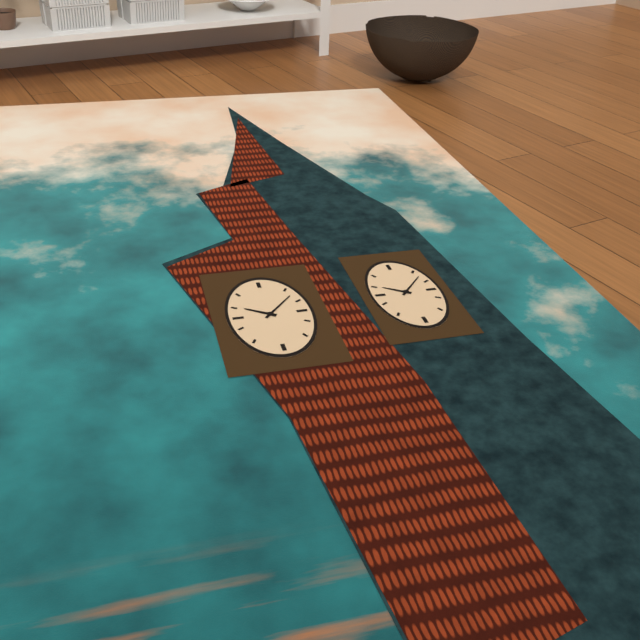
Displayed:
10,07
